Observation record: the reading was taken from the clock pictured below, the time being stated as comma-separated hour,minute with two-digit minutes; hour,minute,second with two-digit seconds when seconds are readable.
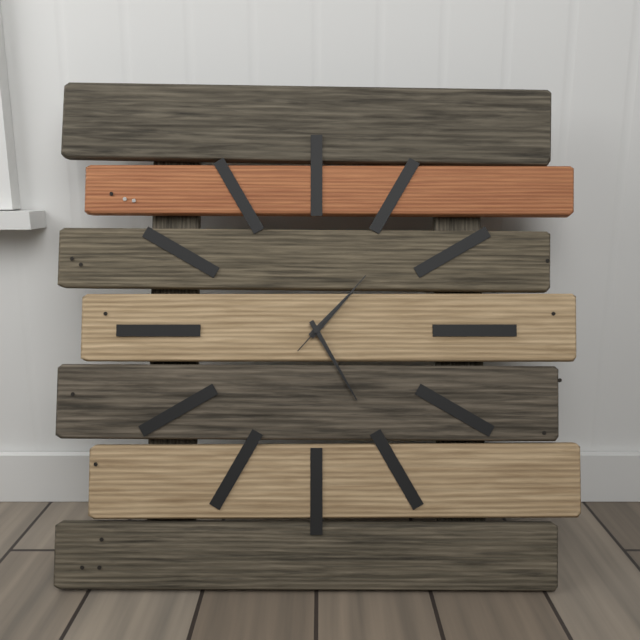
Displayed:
1,25,07
